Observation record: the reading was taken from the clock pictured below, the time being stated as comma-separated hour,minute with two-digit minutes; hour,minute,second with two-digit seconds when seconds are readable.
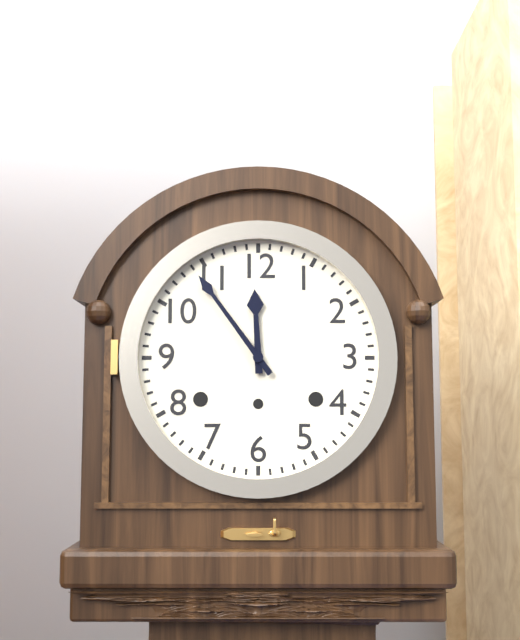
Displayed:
11,54
